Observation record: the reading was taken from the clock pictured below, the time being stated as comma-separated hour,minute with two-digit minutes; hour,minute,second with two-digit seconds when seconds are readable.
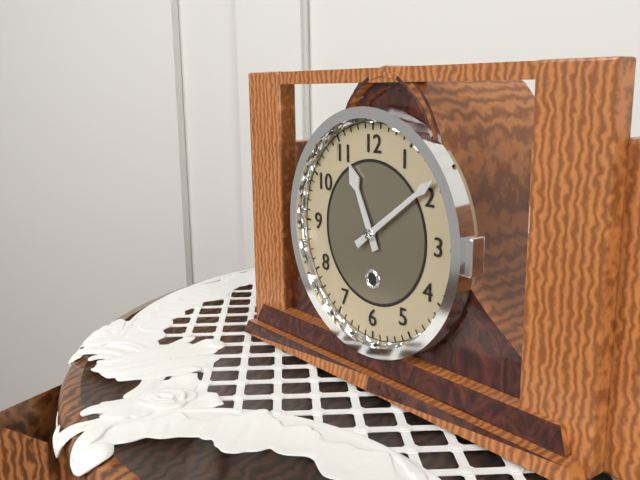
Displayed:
11,09
